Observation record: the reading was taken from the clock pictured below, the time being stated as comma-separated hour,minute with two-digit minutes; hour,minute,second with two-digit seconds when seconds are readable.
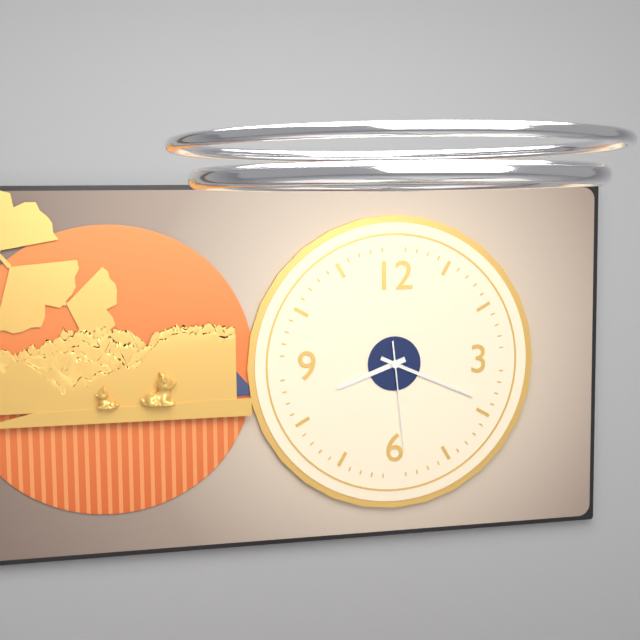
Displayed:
8,19,29
